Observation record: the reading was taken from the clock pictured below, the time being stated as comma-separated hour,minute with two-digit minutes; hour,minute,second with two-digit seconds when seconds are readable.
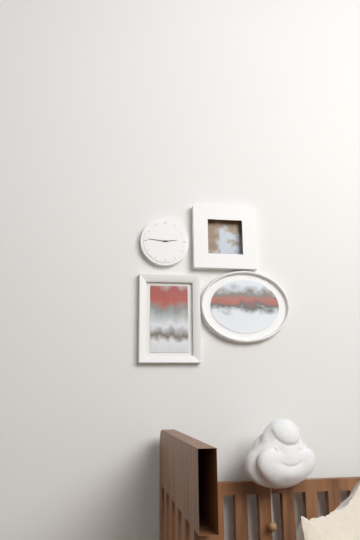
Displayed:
2,46
